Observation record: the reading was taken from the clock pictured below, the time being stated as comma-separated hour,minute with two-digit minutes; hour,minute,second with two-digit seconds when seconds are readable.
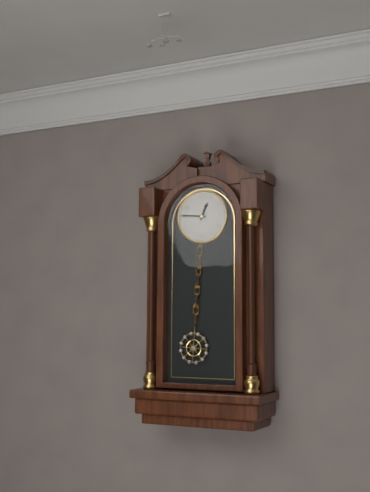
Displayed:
12,46
